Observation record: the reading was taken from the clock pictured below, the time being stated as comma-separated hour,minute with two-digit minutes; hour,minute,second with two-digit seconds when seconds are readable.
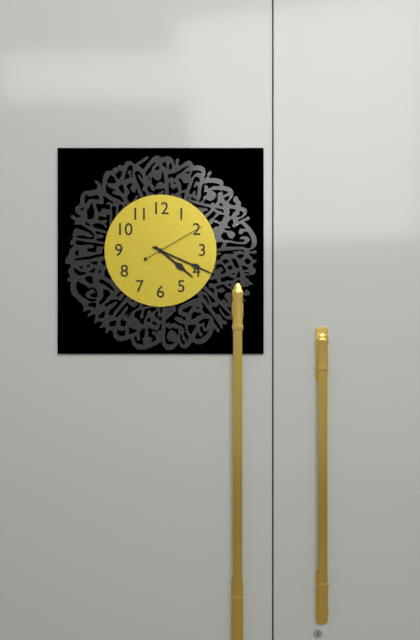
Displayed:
4,19,10
